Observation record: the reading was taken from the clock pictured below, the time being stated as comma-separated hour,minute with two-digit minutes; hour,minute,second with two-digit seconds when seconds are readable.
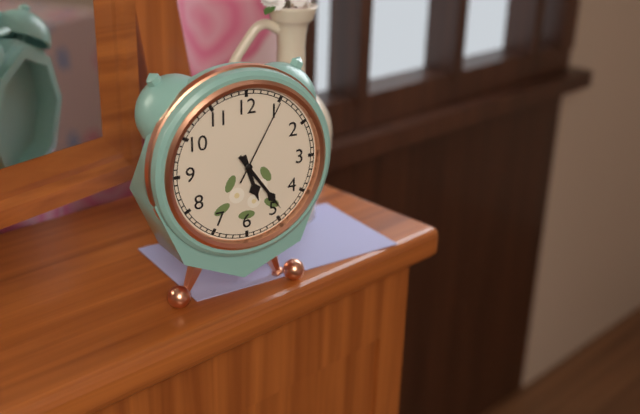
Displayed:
5,24,05
